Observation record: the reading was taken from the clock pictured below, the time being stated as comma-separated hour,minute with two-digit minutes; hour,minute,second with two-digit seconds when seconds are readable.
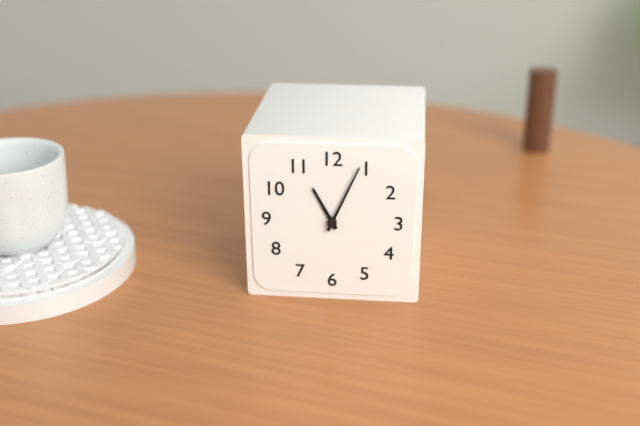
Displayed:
11,04
